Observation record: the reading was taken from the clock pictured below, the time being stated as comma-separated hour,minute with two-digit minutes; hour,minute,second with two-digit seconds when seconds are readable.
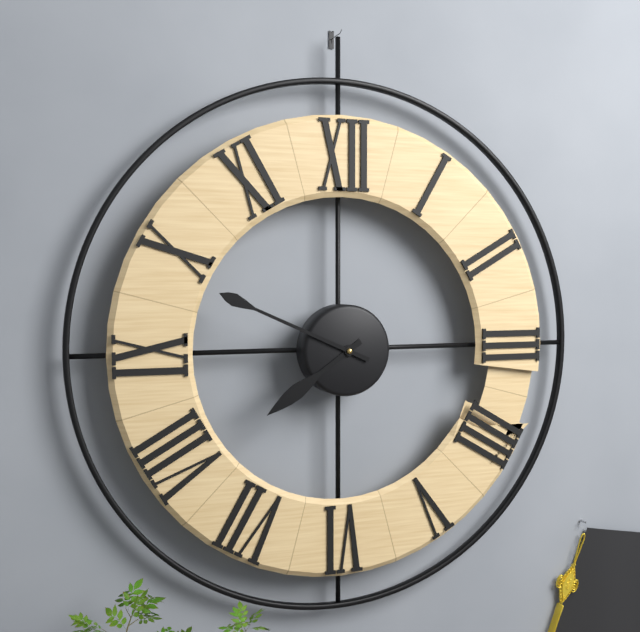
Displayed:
7,49
